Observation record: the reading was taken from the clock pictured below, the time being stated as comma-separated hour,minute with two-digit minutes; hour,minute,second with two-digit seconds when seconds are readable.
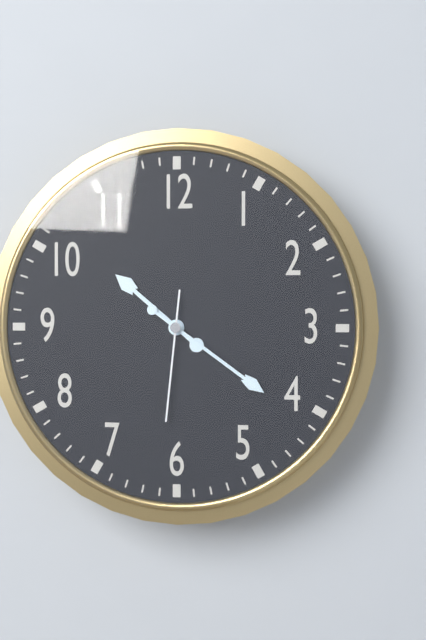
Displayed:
10,21,31
